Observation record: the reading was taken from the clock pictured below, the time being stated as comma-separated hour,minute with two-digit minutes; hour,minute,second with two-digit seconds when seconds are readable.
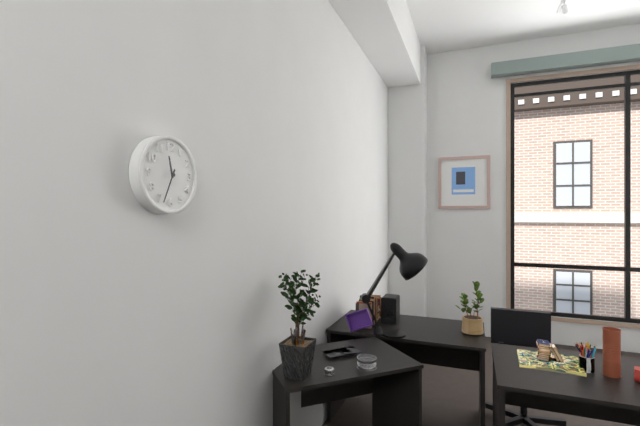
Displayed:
11,34
